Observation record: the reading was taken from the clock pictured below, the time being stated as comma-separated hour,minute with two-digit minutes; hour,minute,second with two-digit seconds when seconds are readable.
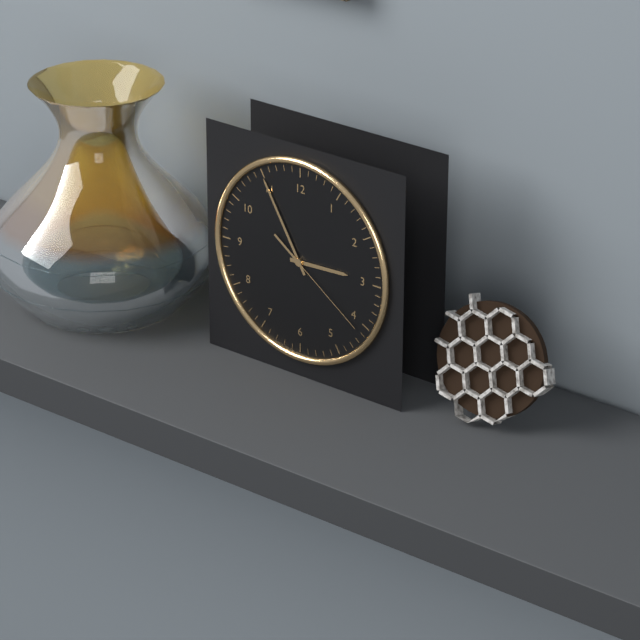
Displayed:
2,55,21
